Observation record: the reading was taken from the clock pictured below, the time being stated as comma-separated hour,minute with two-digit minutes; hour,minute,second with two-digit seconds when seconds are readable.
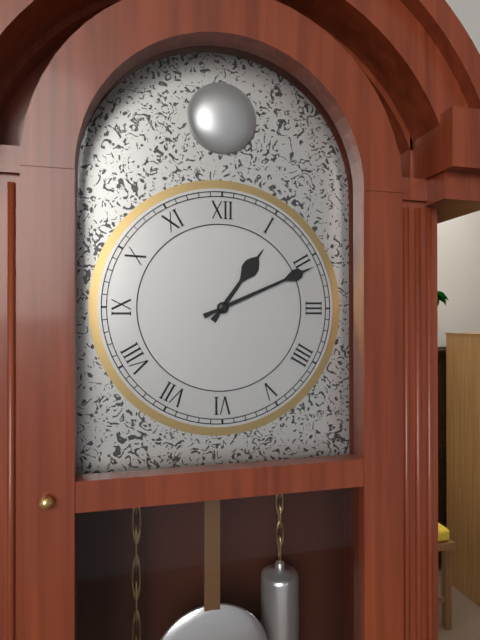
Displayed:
1,11
